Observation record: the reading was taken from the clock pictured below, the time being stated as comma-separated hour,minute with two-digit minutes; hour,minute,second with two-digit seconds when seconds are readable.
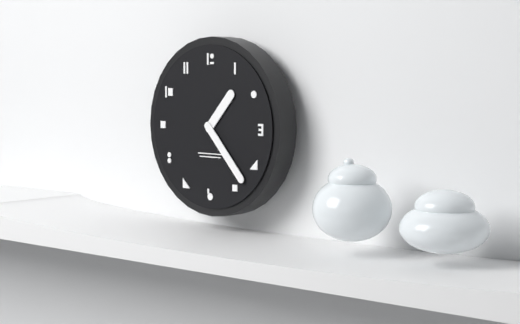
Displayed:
1,23
